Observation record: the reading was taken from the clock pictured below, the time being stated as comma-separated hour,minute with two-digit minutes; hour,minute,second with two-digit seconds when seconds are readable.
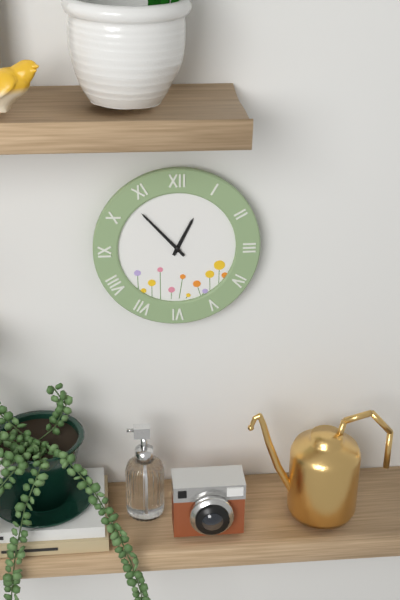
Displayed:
12,53
